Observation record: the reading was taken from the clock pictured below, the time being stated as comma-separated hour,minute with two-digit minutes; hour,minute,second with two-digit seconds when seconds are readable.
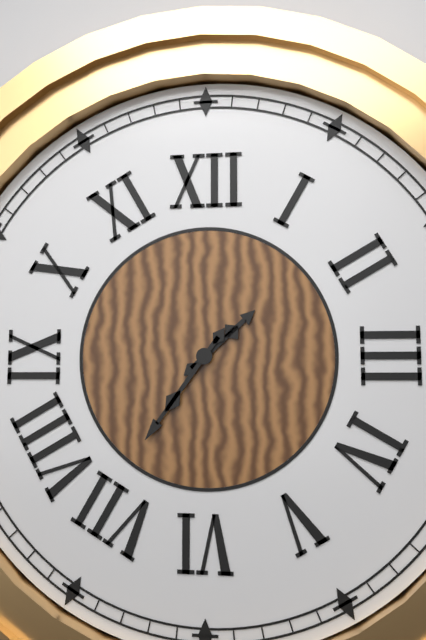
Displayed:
1,36
